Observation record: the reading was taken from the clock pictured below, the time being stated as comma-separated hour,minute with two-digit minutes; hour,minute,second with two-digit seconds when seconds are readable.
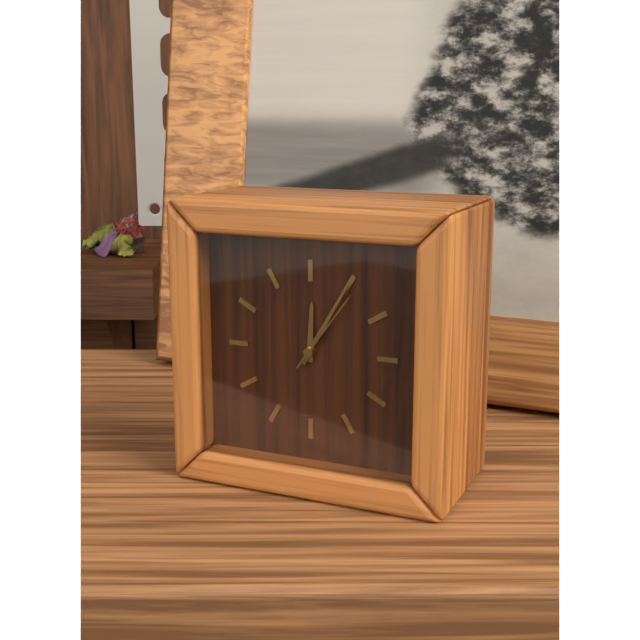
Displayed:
12,05,06
